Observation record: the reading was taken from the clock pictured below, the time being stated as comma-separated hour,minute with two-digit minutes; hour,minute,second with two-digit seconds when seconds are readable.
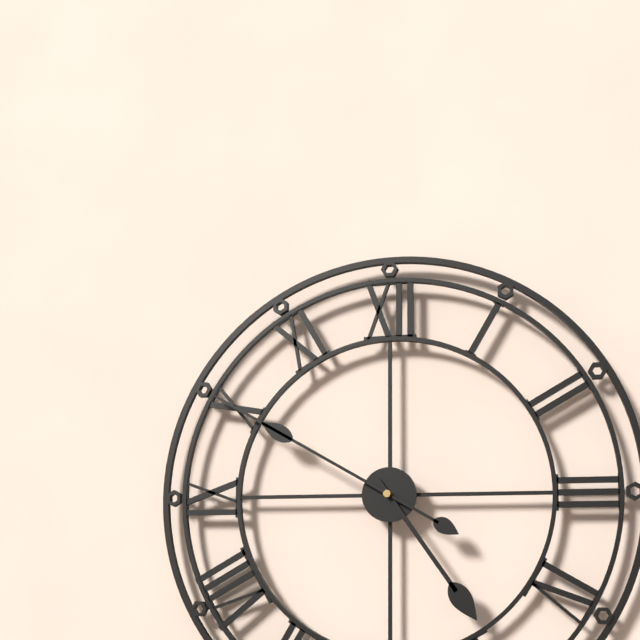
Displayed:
4,50
